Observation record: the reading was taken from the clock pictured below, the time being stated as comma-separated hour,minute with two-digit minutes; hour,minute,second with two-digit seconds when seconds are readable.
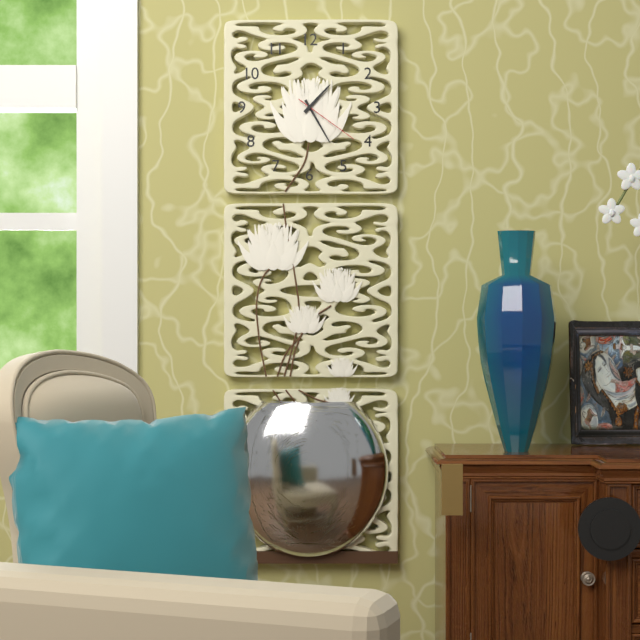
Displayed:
1,25,21
